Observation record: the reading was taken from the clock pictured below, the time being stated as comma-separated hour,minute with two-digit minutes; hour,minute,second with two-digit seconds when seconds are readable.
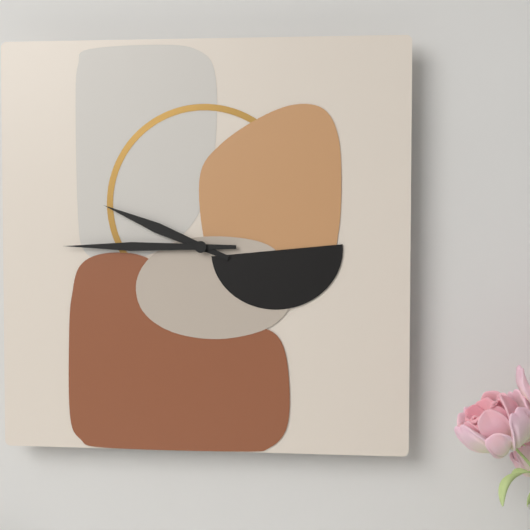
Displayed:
9,45
